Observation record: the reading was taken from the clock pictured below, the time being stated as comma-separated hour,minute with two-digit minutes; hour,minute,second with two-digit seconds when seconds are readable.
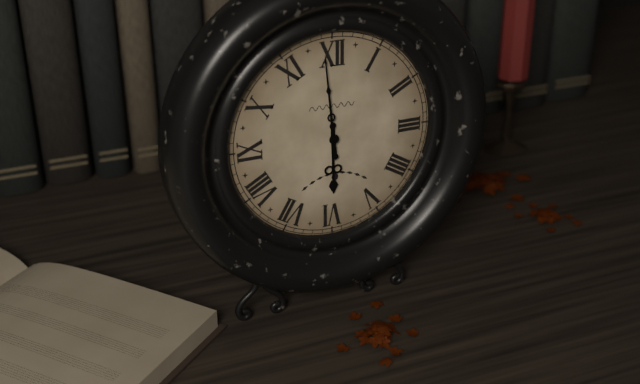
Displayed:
5,59
